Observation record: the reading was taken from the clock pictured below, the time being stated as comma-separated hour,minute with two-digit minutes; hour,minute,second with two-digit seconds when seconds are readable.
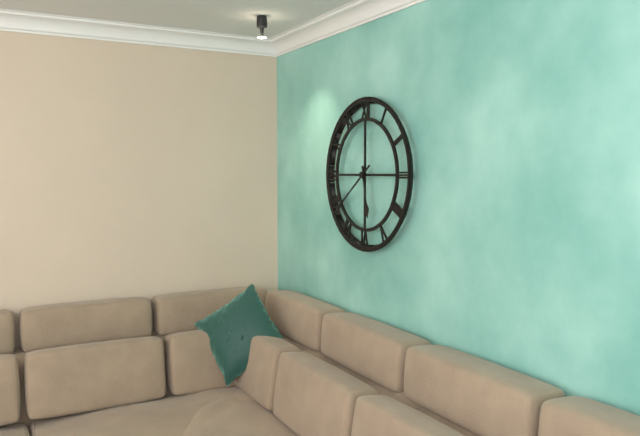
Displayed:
5,39
